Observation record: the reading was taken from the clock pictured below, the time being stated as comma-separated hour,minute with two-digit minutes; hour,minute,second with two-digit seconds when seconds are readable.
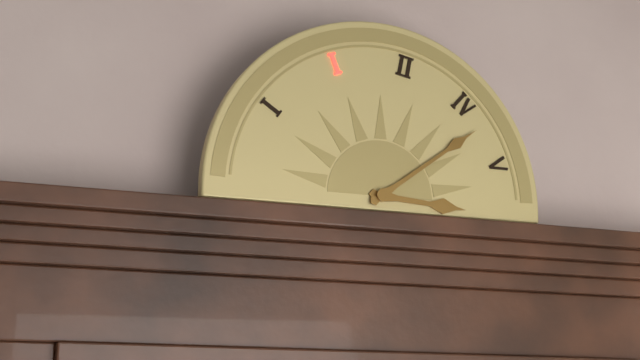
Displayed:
3,09
